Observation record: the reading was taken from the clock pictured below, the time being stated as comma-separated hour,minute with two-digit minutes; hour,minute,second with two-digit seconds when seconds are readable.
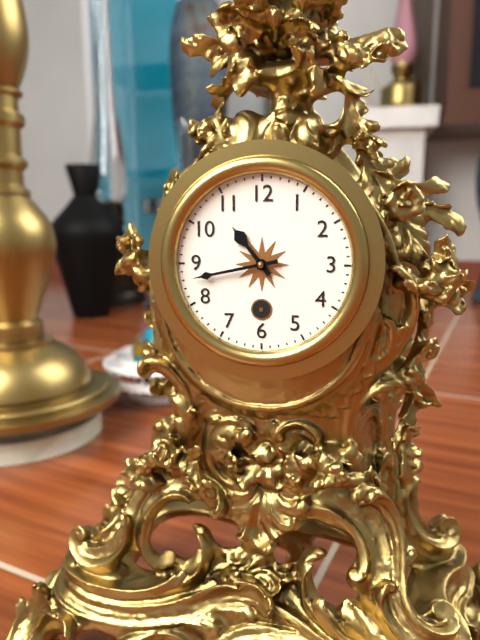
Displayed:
10,43
